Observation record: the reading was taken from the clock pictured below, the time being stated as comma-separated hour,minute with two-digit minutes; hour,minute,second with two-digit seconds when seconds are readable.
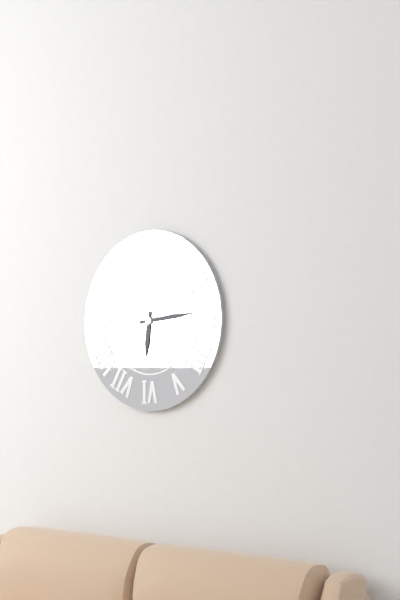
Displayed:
6,14
